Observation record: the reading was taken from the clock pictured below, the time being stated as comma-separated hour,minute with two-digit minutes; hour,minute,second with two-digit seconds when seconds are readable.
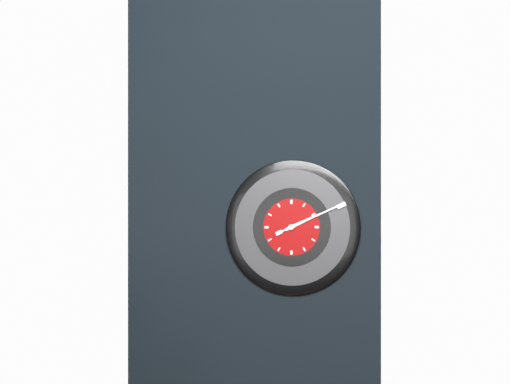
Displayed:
2,11
